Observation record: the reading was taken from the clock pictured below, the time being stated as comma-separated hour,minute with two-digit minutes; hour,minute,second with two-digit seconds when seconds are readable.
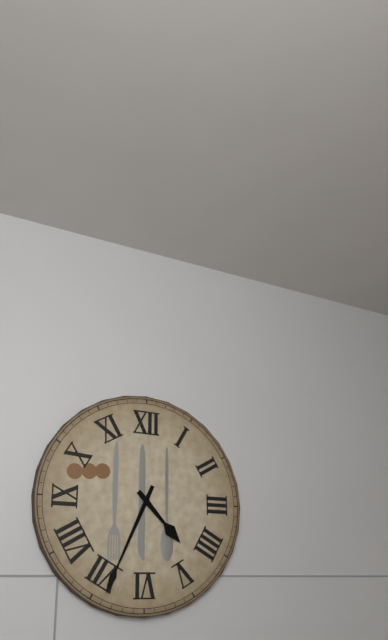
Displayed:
4,34
